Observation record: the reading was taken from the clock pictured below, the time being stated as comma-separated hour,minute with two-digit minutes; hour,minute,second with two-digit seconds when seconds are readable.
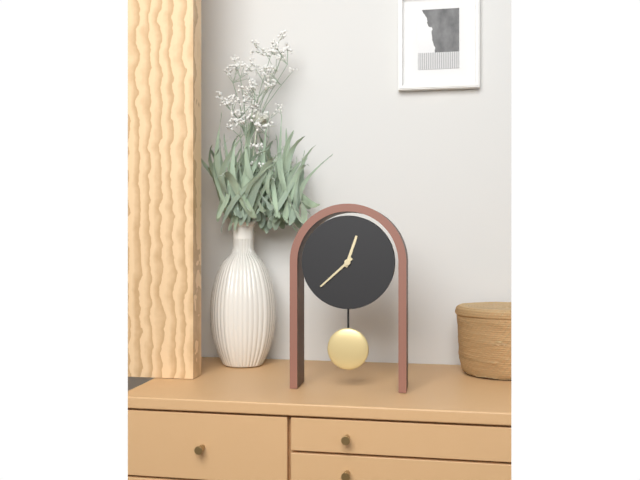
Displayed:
12,38
